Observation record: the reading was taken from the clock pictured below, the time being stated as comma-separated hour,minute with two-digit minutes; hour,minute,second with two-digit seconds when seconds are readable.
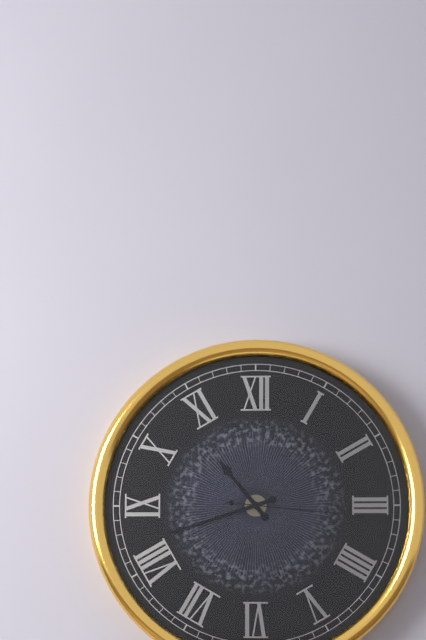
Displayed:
10,42,16
